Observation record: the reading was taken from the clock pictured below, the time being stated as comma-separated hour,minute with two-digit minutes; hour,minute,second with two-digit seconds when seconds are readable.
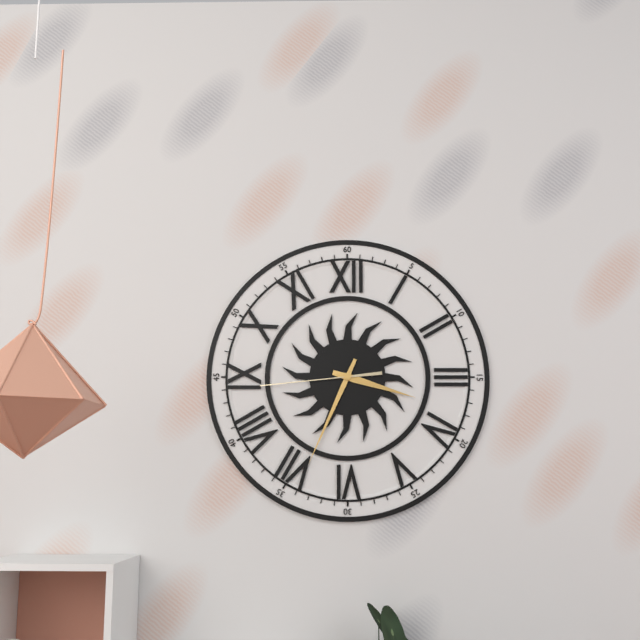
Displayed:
3,34,44
